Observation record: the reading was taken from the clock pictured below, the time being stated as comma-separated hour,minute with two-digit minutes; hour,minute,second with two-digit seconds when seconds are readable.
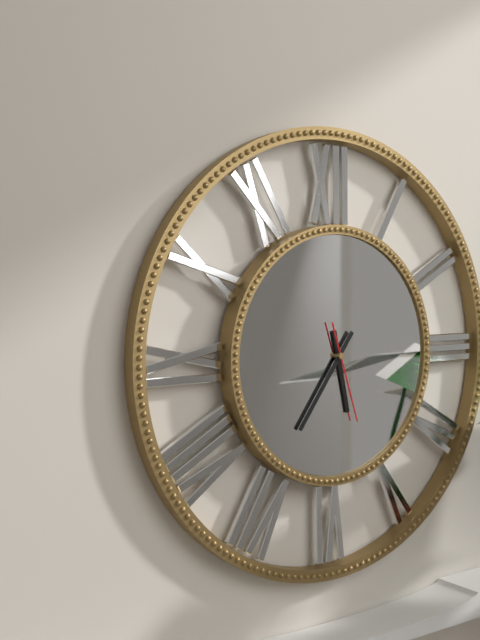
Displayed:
5,36,27
